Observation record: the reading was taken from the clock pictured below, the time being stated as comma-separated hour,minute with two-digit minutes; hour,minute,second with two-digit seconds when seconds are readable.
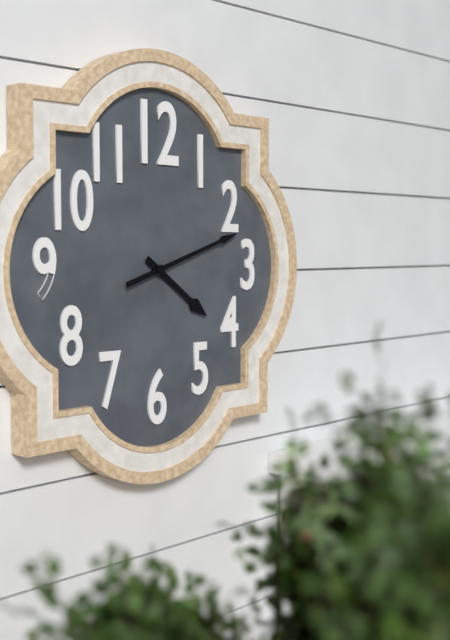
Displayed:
4,12
